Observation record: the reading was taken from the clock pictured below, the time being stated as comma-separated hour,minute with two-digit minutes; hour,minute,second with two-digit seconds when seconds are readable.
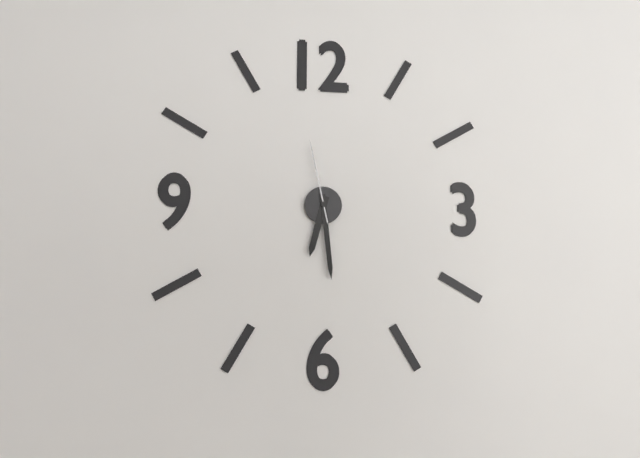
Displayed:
6,29,58
